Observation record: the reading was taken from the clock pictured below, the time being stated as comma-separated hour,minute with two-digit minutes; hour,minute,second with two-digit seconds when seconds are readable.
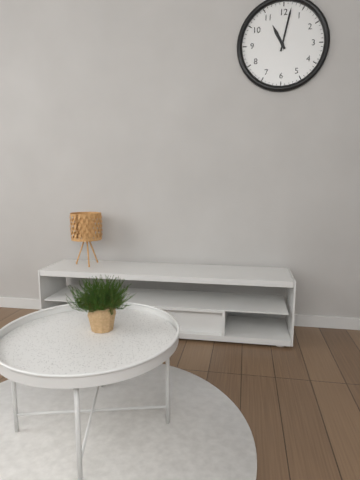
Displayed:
11,02
